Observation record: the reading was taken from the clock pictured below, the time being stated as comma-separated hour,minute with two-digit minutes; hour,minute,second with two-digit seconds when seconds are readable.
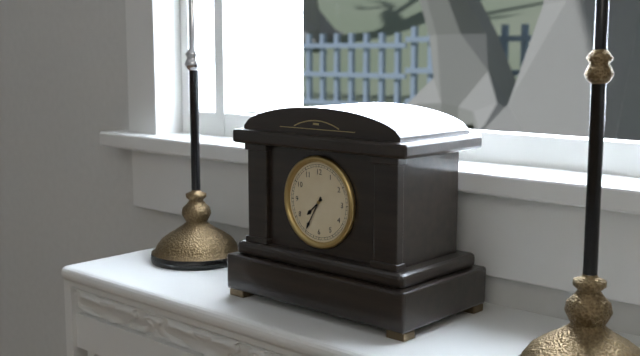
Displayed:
7,35
